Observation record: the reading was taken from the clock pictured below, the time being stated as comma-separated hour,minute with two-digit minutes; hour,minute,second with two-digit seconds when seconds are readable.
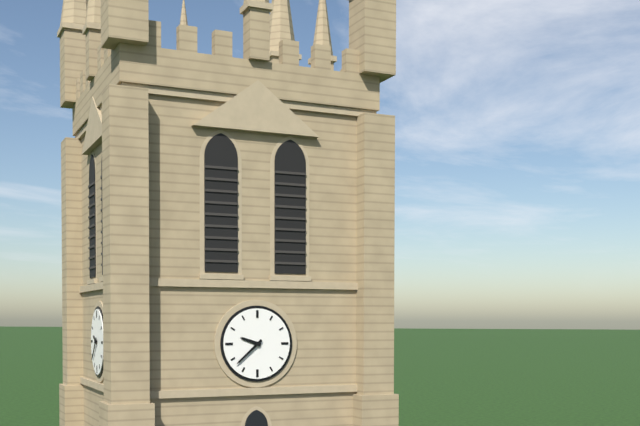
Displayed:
9,38
